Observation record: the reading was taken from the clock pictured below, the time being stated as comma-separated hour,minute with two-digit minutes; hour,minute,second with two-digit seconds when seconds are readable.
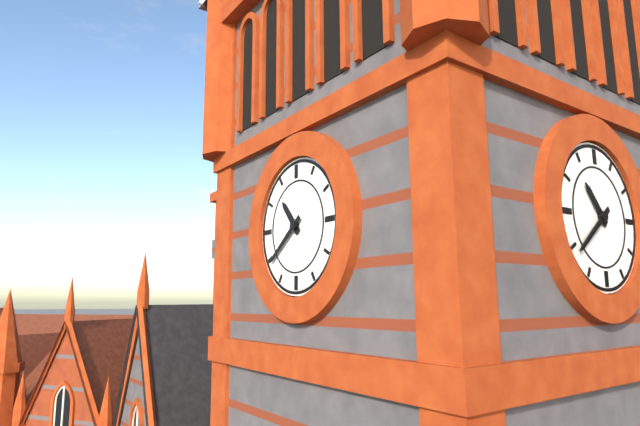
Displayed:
10,39
